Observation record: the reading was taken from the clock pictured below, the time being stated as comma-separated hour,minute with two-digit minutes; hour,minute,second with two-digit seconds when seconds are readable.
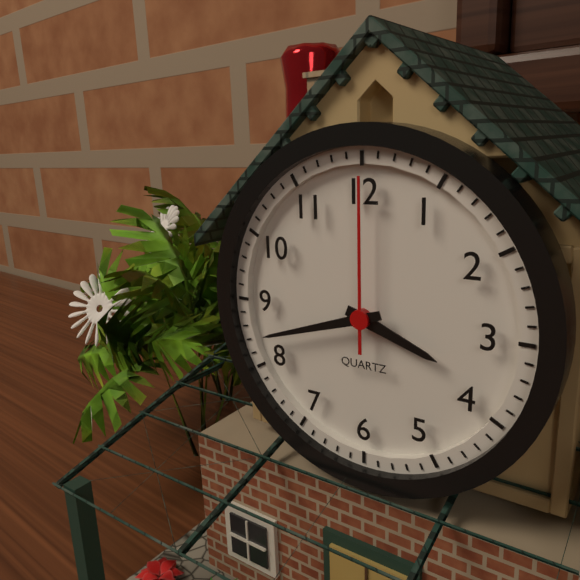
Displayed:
3,42,00
